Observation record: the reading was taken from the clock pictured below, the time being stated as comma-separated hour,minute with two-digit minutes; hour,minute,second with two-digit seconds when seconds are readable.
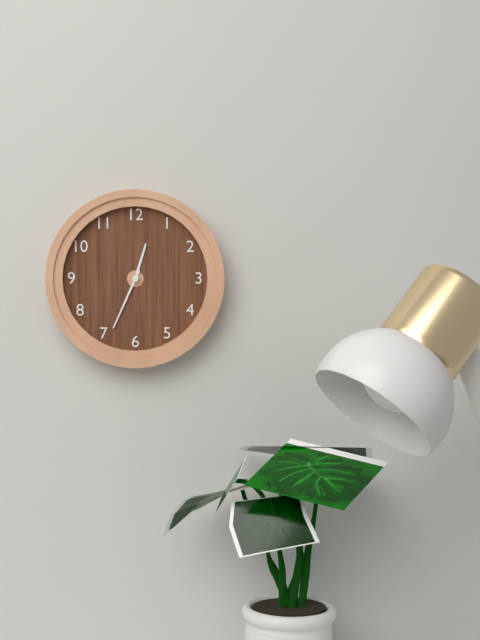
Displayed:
12,34
